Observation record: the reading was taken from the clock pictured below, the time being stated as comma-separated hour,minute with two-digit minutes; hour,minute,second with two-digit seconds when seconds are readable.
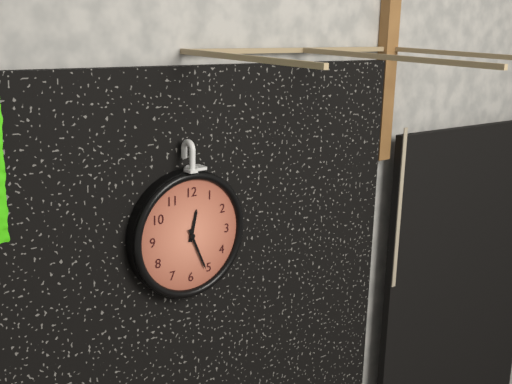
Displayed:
12,26
